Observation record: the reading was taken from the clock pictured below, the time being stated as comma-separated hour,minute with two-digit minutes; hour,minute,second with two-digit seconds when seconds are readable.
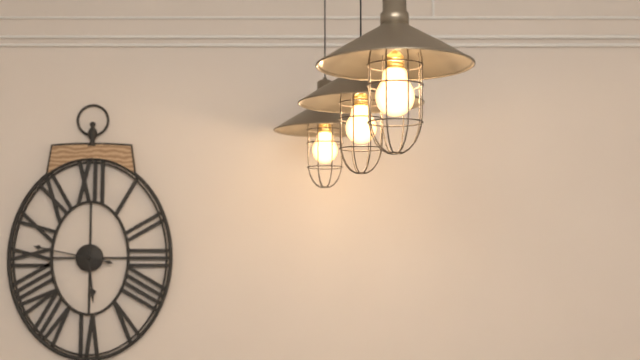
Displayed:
5,47
